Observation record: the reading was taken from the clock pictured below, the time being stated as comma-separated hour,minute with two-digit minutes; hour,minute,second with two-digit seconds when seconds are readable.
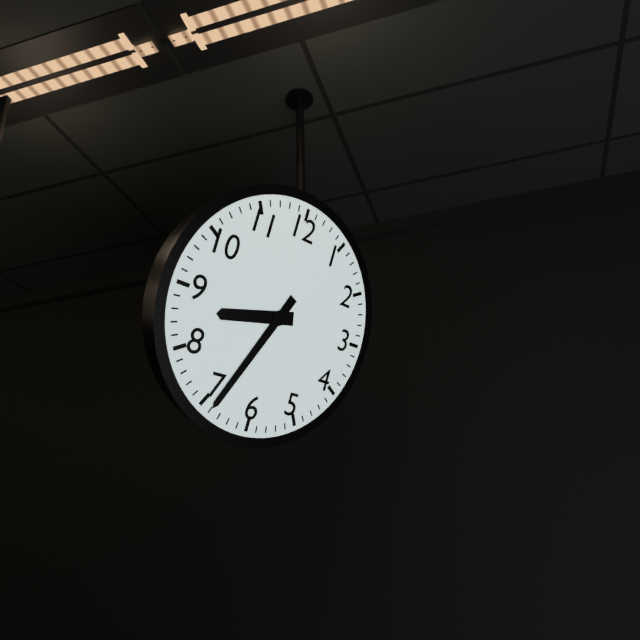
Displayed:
8,34
